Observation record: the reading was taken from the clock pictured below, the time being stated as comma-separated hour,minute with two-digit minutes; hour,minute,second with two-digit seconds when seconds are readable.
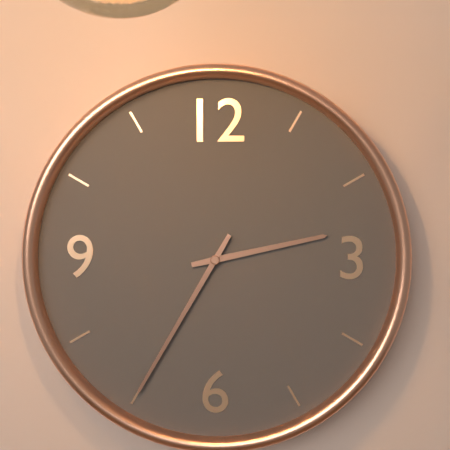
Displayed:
2,35
